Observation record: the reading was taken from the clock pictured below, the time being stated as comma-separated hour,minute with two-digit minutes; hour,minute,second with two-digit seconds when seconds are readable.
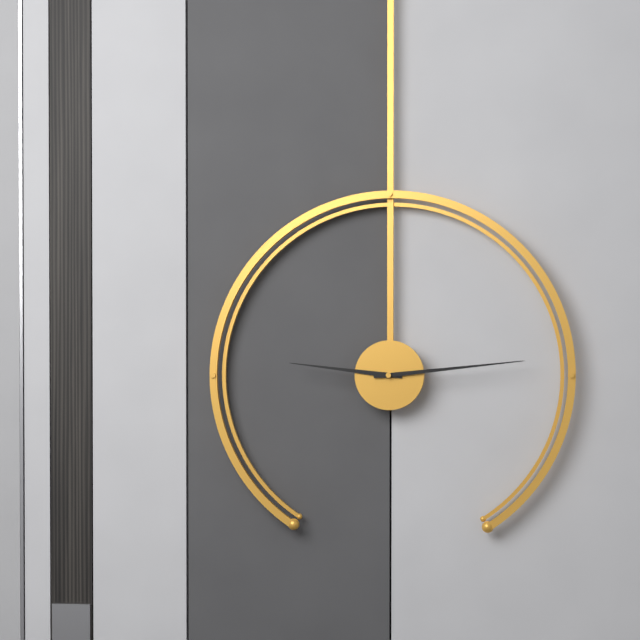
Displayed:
9,14
